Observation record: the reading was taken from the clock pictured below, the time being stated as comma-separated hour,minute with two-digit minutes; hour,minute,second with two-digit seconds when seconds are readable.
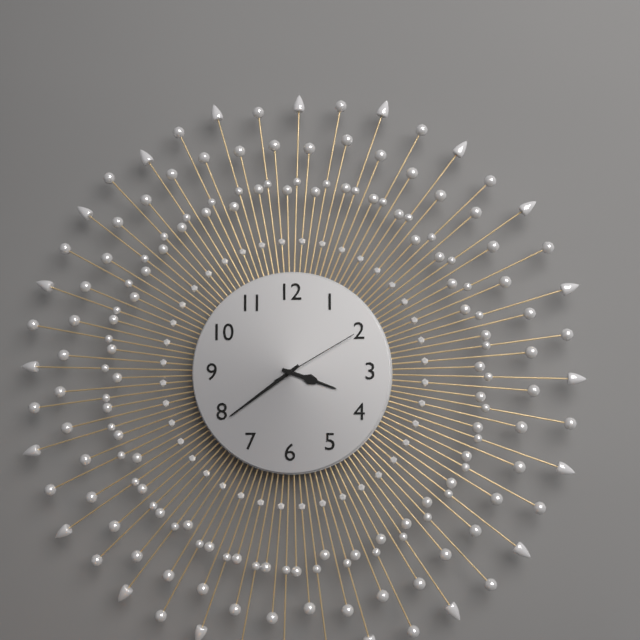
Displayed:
3,39,10
